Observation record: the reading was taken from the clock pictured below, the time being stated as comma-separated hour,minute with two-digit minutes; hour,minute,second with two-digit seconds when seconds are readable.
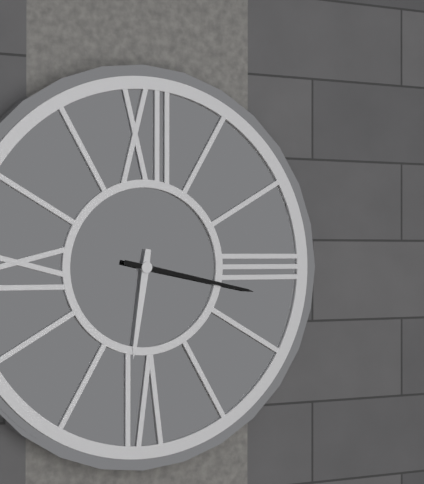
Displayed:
6,17
